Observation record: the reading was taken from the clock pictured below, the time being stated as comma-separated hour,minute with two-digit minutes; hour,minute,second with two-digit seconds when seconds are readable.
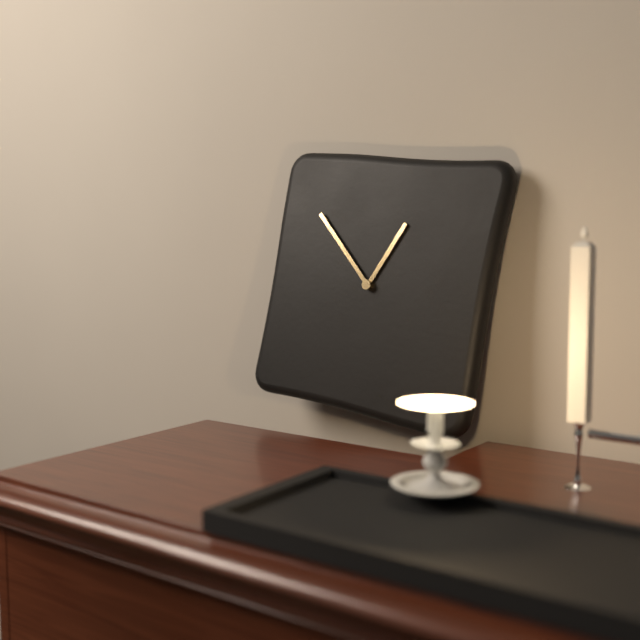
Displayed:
12,52
